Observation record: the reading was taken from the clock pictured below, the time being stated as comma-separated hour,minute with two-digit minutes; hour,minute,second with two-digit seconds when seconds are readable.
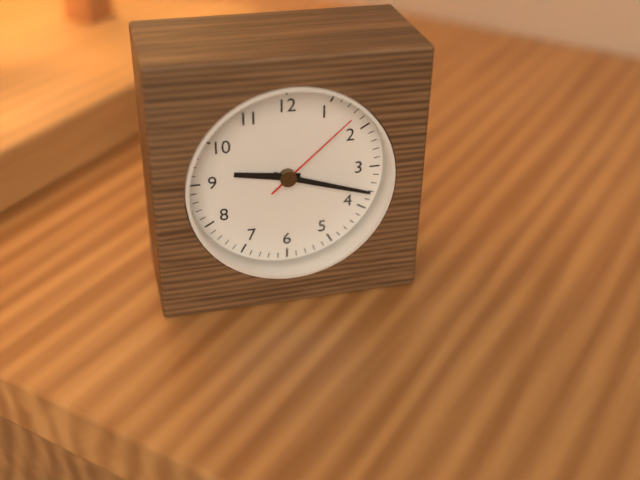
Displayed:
9,18,08
